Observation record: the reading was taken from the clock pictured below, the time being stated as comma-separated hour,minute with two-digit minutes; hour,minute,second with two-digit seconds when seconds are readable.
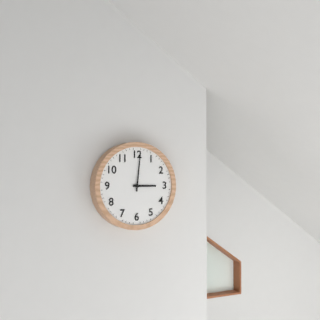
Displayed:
3,01
